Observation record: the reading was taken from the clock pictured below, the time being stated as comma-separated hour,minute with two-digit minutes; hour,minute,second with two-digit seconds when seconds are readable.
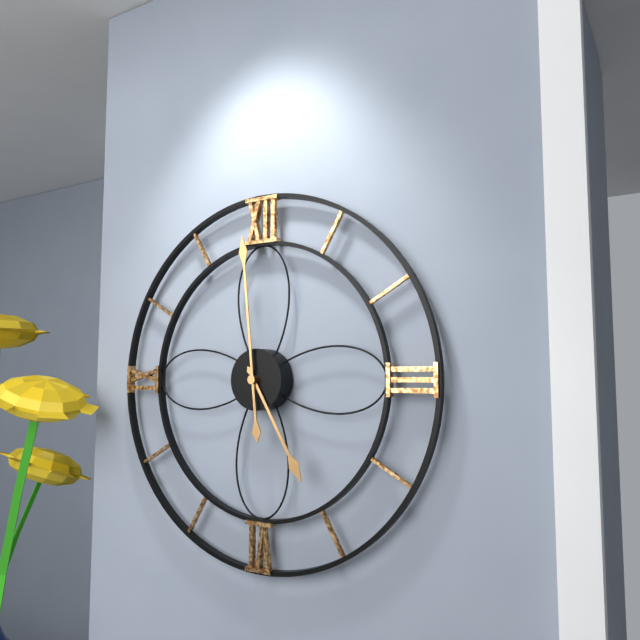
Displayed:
4,59
